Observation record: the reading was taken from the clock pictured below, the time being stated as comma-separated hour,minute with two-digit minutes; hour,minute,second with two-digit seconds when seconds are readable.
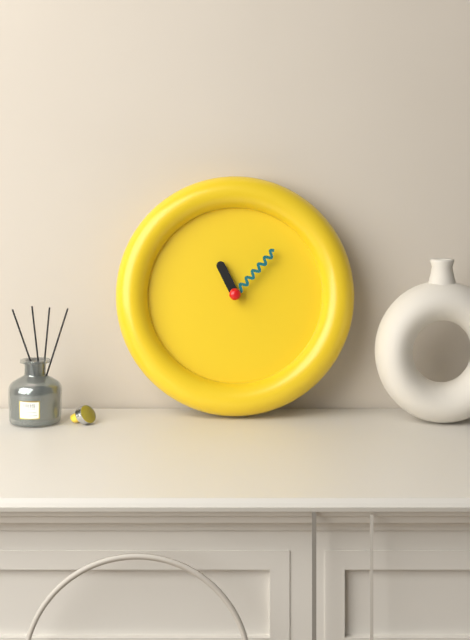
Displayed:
11,07
